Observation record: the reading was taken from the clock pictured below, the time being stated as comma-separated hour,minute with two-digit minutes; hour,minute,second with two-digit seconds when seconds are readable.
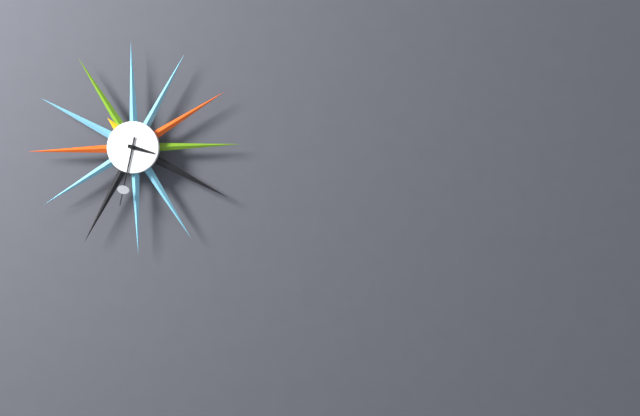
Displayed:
3,32
